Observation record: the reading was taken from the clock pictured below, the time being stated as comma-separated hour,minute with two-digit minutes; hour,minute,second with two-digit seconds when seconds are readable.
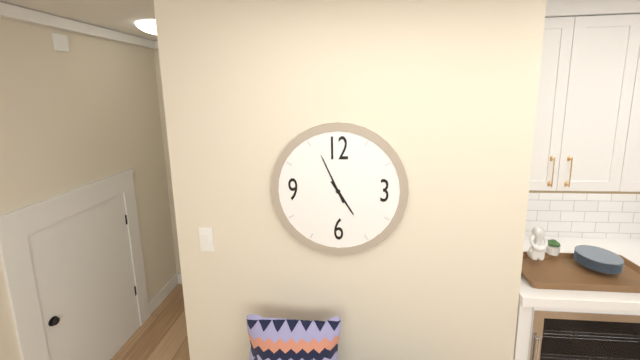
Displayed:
4,56
